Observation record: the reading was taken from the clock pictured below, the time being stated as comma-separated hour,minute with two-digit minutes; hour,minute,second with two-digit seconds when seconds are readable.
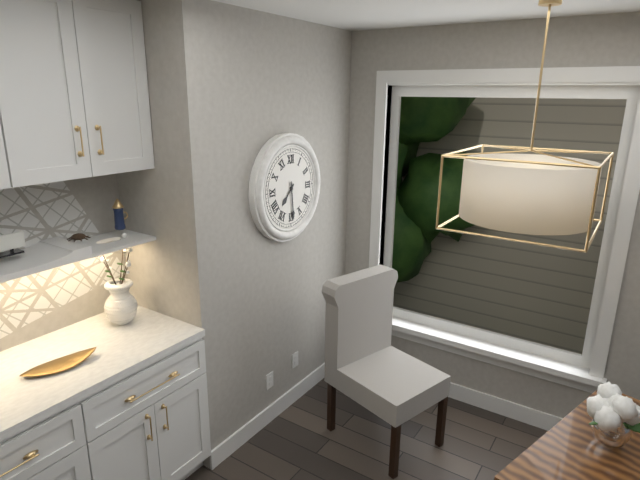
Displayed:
7,29
